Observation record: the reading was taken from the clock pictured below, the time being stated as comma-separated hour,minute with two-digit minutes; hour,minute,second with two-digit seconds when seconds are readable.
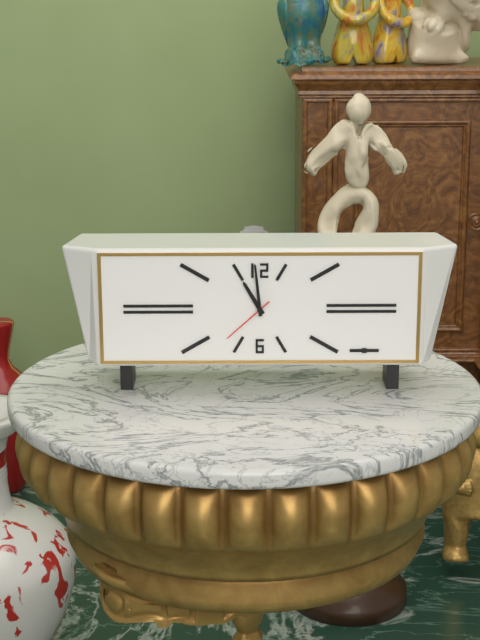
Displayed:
10,59,38
